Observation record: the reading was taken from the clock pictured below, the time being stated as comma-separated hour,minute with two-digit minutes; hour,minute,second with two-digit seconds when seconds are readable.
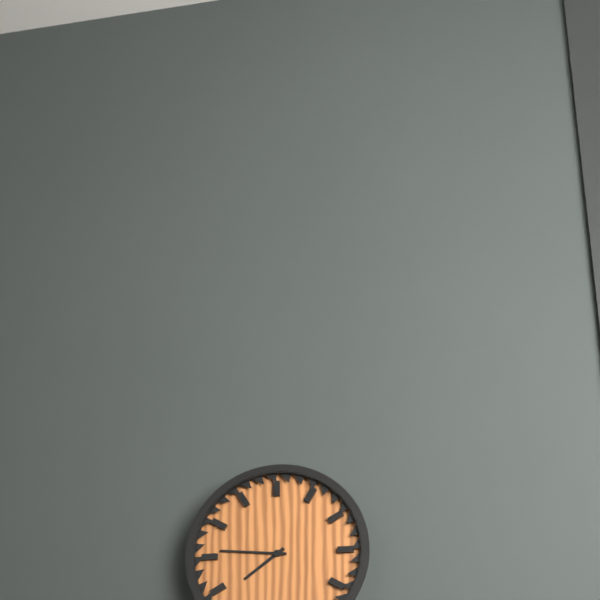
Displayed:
7,46
